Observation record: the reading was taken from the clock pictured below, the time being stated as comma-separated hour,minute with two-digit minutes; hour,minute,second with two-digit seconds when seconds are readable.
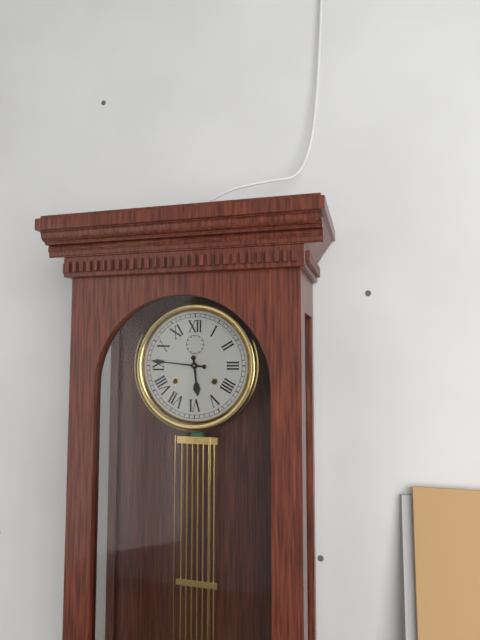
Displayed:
5,46
